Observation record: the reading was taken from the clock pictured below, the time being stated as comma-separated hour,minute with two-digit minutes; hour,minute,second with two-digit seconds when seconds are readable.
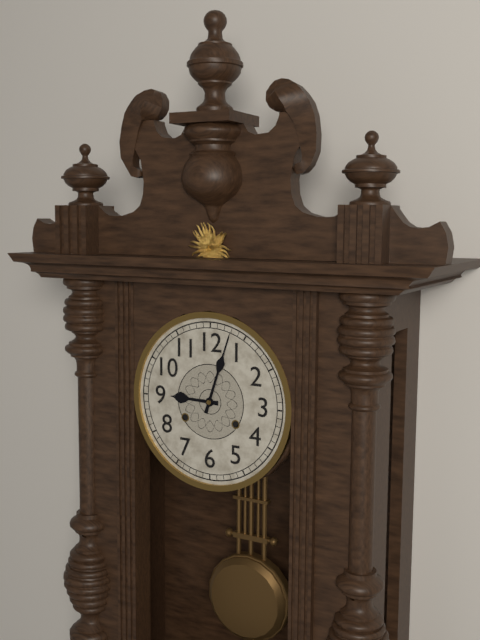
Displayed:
9,03
